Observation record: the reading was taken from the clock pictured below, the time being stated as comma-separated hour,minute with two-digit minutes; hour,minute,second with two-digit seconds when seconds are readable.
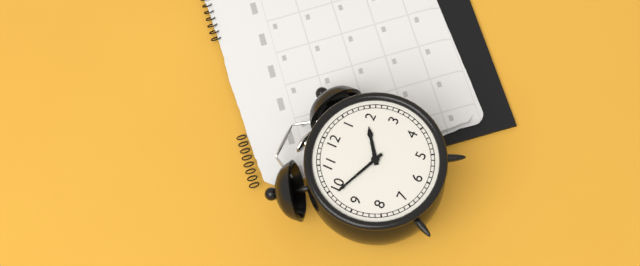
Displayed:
1,49
